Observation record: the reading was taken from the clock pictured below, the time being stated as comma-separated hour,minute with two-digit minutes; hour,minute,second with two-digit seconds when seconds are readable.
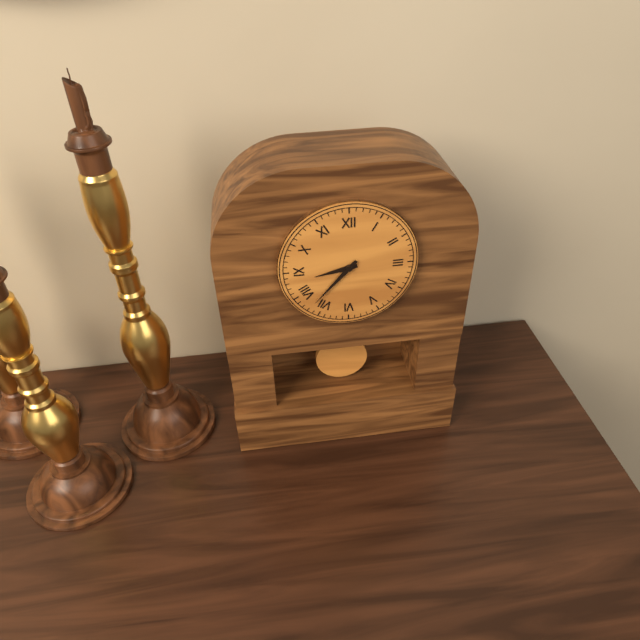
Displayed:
8,37
